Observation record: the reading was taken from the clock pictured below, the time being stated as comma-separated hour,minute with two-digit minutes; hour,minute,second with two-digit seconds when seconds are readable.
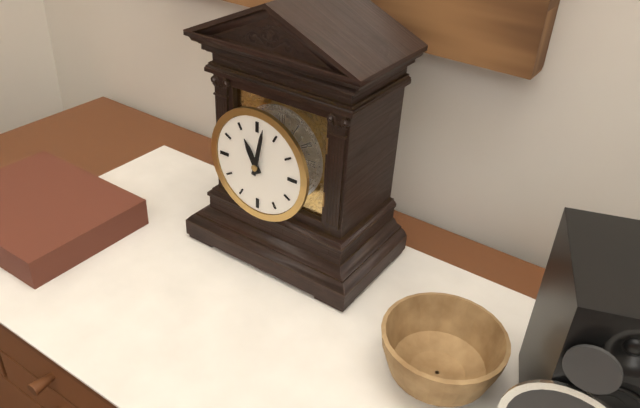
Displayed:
11,02
